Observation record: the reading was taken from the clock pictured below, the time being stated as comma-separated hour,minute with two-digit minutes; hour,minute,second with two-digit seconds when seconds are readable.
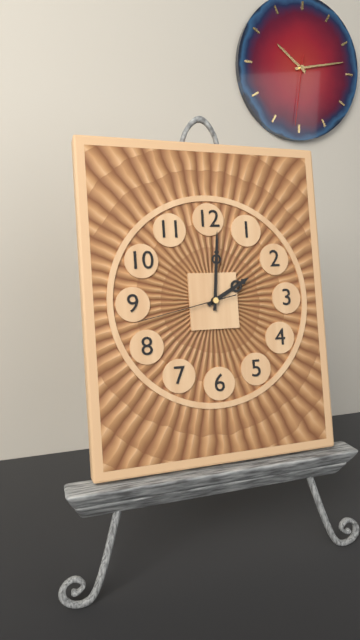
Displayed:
2,01,43
